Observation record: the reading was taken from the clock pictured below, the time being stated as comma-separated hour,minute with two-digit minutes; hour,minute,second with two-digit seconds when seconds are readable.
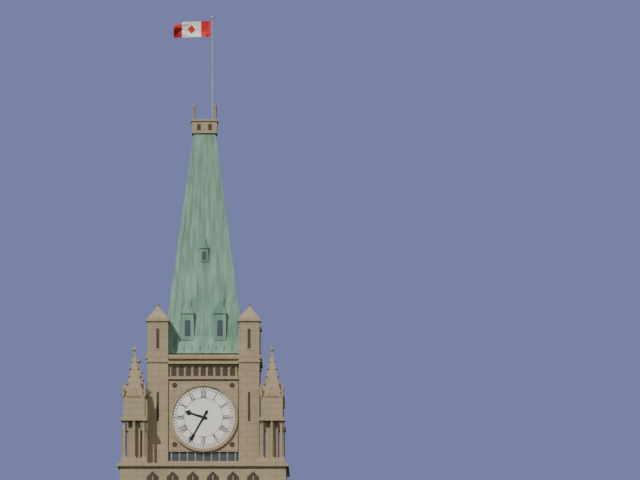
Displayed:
9,35
